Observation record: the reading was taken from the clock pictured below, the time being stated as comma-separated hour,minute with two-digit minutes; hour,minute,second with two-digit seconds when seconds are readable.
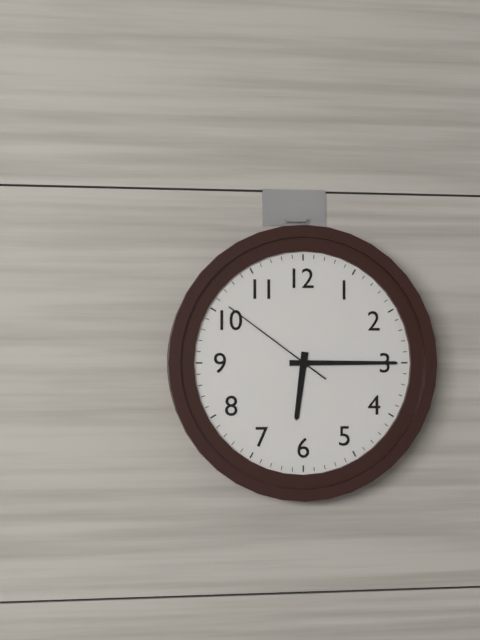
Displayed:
6,15,51
